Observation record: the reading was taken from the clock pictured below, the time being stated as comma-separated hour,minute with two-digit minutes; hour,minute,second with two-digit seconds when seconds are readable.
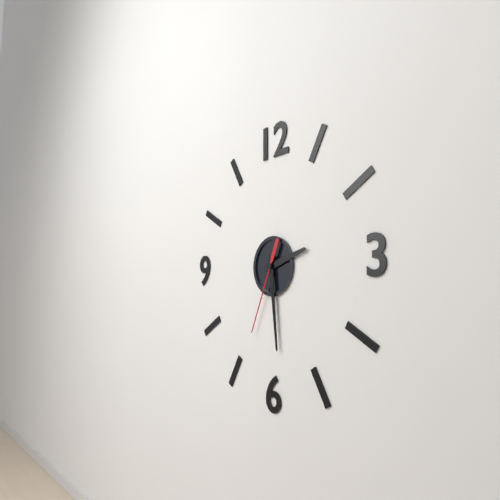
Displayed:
2,29,34
